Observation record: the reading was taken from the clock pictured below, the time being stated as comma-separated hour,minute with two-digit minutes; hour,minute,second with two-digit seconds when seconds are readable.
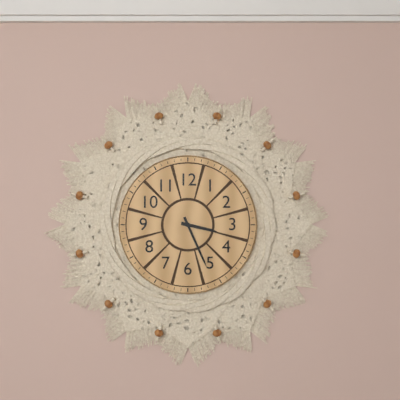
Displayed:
3,26
